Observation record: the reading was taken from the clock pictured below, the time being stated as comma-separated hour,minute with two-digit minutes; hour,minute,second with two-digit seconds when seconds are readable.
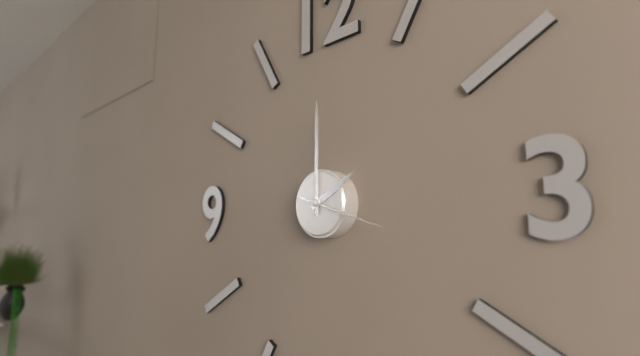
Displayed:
2,00,18
